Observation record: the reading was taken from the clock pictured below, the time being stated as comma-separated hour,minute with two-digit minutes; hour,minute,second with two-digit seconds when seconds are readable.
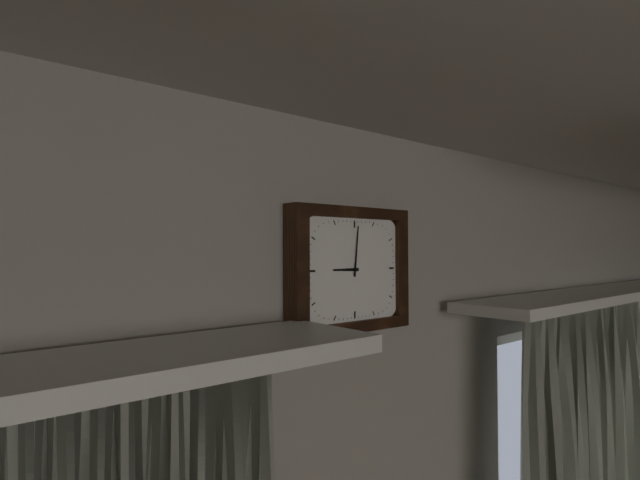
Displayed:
9,01
